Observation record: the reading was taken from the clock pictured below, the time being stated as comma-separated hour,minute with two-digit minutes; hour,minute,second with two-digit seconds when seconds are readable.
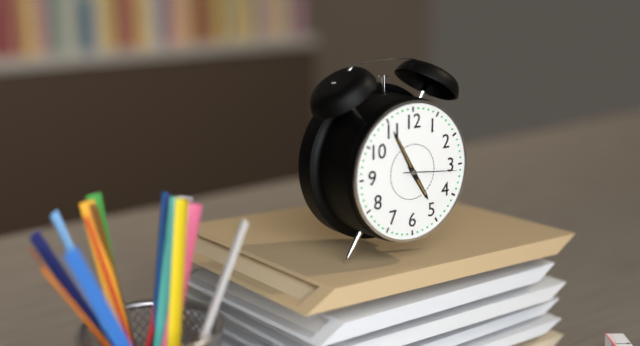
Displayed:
4,55,16
